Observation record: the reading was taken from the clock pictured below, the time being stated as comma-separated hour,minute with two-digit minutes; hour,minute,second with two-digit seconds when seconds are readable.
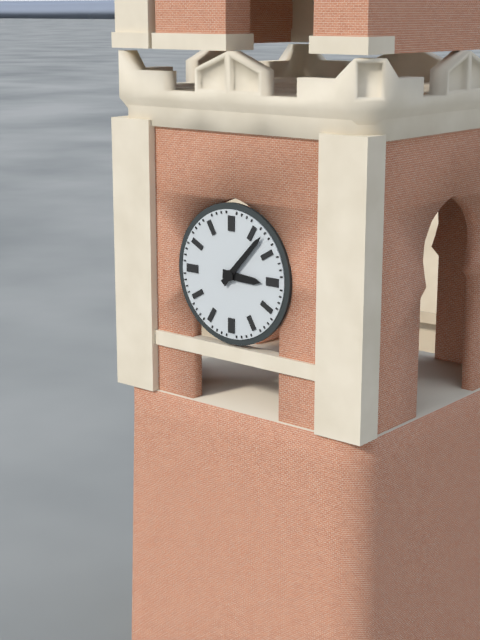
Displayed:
3,07
